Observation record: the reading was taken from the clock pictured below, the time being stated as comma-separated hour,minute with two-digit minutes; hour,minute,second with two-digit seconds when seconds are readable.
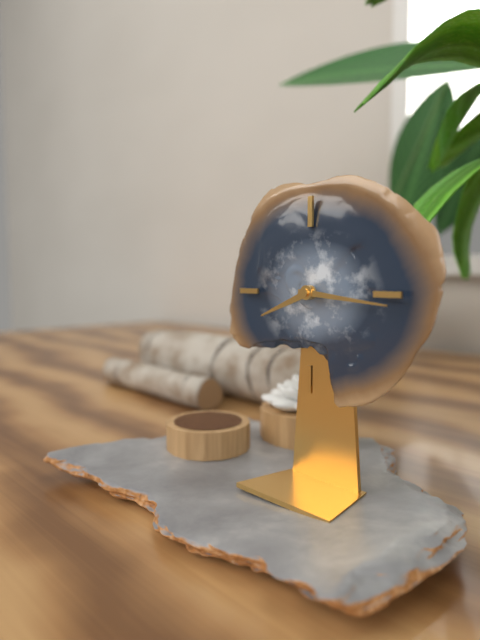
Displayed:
8,16
